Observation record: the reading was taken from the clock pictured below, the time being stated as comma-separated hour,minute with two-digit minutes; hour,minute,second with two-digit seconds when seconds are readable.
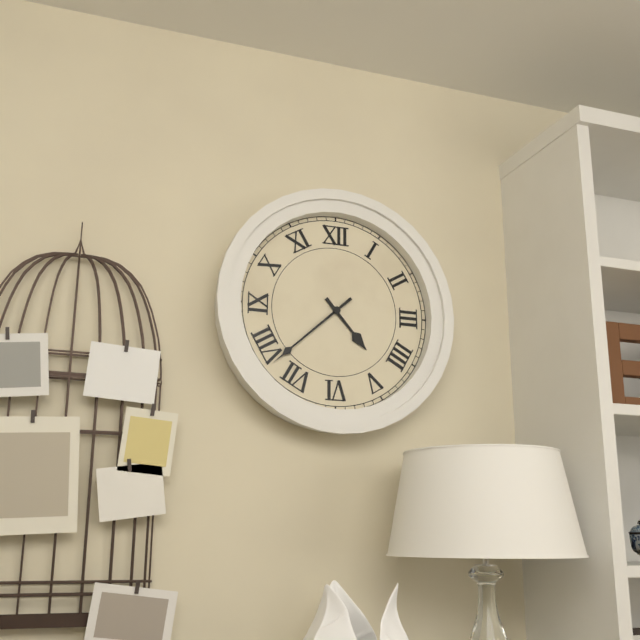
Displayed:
4,38
